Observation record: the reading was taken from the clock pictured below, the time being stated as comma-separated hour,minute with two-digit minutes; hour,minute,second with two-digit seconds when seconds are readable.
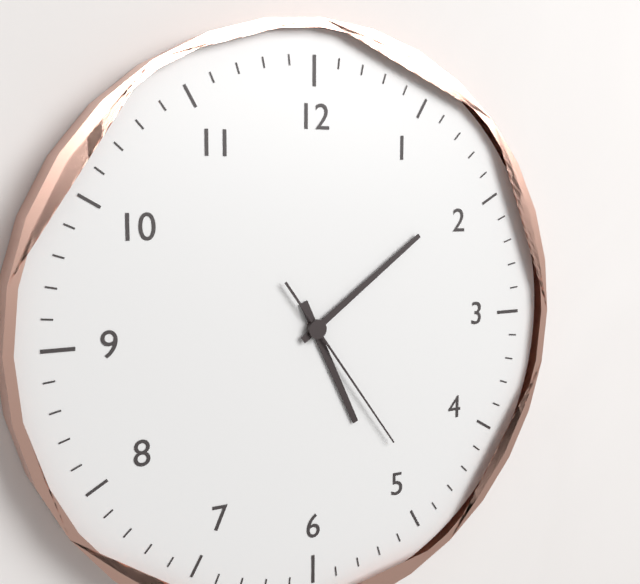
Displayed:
5,09,24
